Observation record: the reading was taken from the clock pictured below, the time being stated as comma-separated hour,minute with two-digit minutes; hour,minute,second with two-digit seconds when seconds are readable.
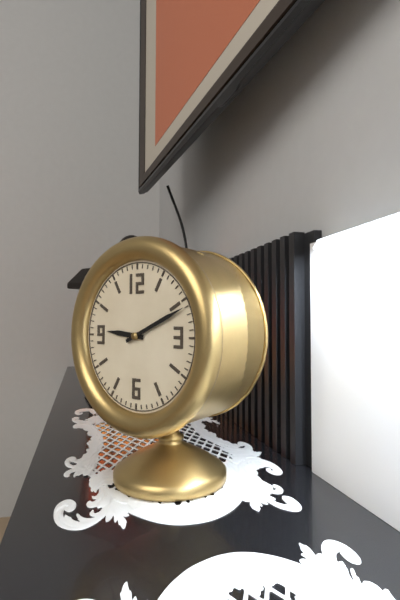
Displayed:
9,11
